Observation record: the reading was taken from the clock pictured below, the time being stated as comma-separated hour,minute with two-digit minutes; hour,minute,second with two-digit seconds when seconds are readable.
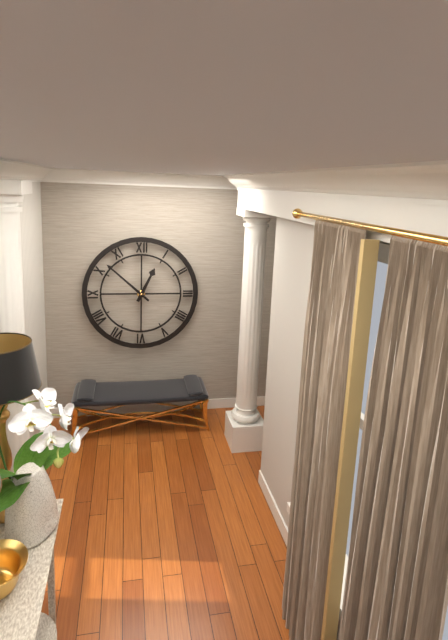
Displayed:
12,52
